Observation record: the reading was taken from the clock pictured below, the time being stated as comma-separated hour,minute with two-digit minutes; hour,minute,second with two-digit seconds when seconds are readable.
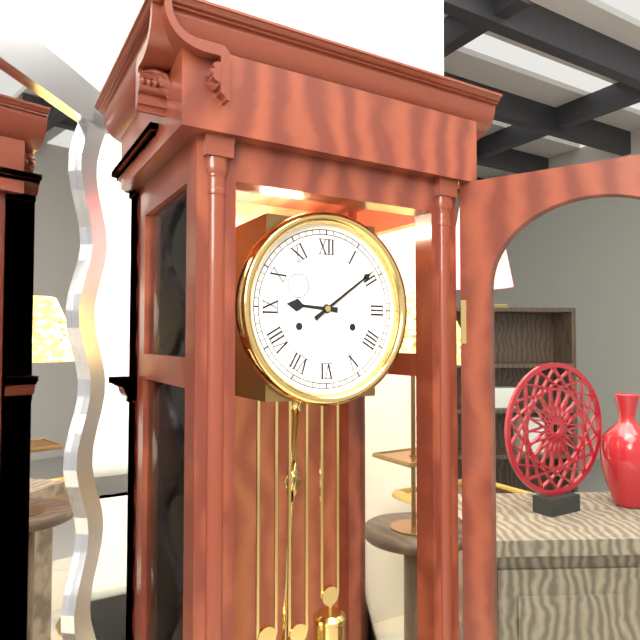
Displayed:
9,09
